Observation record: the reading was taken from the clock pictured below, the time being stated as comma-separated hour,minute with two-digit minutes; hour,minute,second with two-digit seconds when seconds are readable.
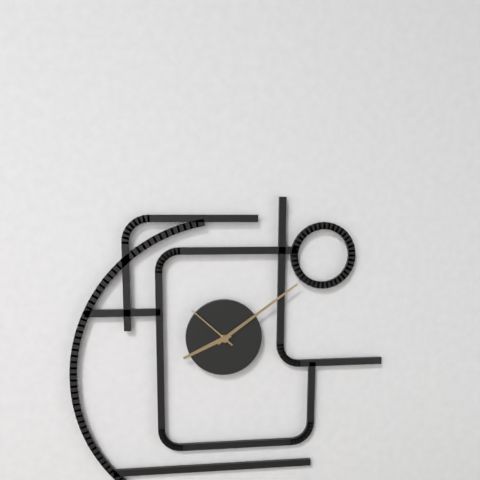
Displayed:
8,09
